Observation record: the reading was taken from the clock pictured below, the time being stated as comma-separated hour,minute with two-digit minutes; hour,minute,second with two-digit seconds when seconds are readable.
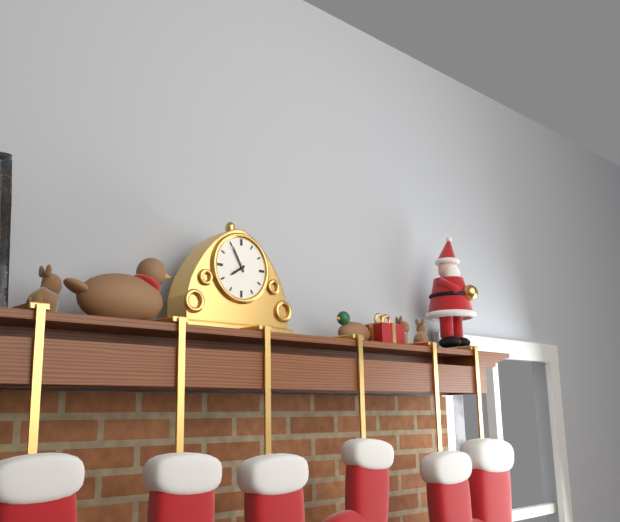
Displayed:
7,55
